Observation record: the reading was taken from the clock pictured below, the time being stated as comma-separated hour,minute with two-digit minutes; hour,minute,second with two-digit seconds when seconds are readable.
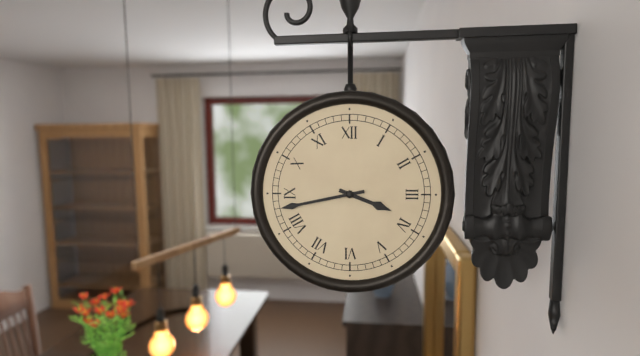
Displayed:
3,43
